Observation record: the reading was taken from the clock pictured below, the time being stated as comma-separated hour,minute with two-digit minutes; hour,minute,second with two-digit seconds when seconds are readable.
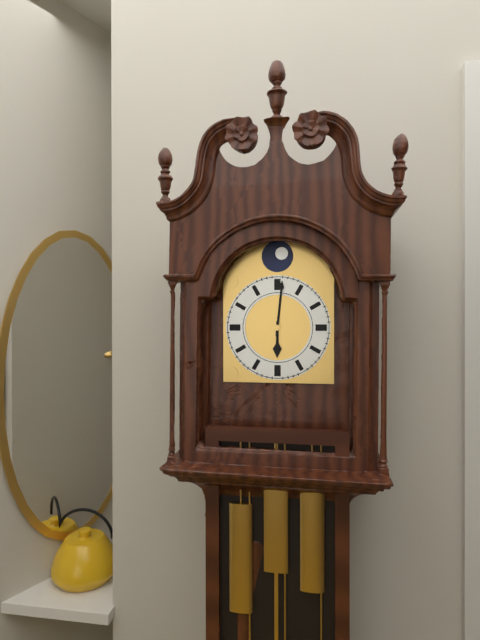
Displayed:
6,01
